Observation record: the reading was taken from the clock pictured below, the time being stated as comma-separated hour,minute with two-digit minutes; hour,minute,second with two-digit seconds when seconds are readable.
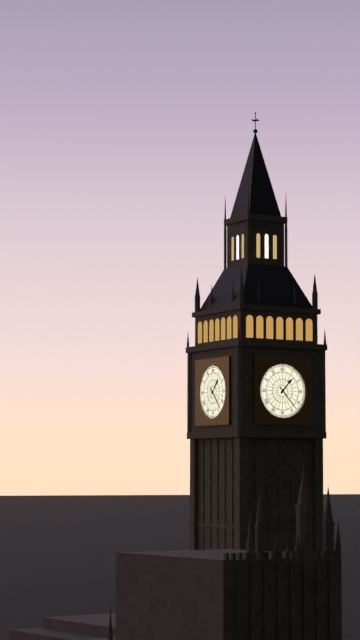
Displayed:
1,23
